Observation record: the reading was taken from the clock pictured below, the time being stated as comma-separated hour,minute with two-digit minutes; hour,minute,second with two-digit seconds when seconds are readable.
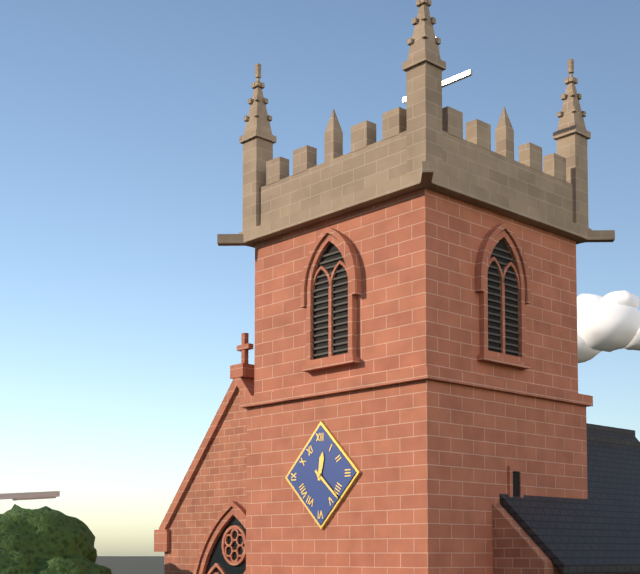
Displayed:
12,22
